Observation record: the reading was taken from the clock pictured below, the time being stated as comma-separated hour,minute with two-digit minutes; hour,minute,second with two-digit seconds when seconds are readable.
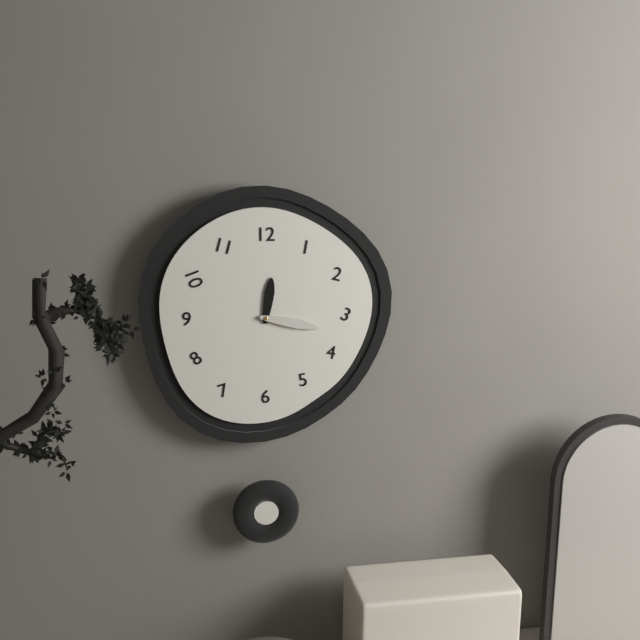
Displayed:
12,17
